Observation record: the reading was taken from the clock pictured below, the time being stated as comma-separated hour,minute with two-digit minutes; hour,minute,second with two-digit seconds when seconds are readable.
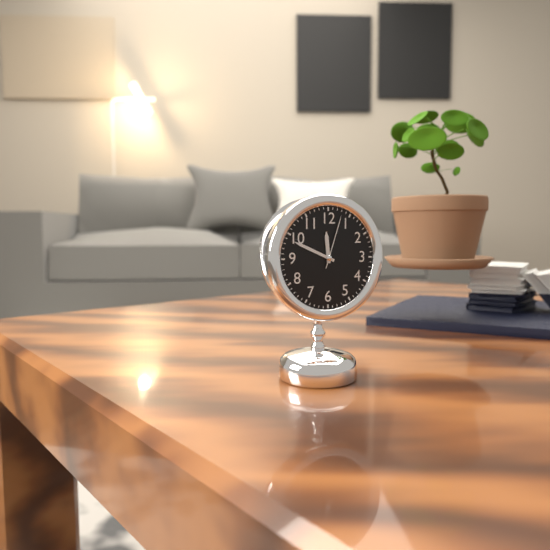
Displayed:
11,49,03
